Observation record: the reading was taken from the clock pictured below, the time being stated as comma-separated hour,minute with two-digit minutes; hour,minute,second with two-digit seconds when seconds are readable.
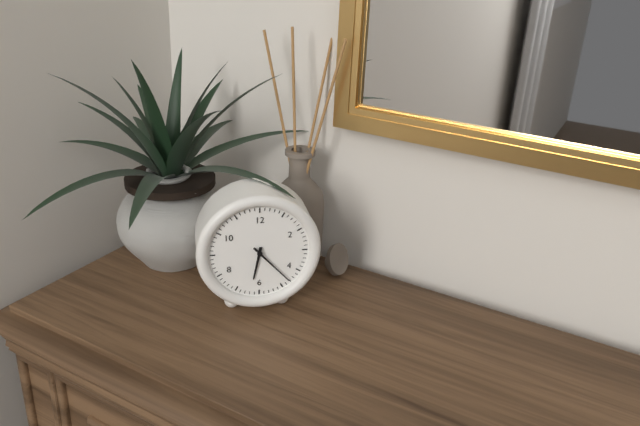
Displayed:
6,23
